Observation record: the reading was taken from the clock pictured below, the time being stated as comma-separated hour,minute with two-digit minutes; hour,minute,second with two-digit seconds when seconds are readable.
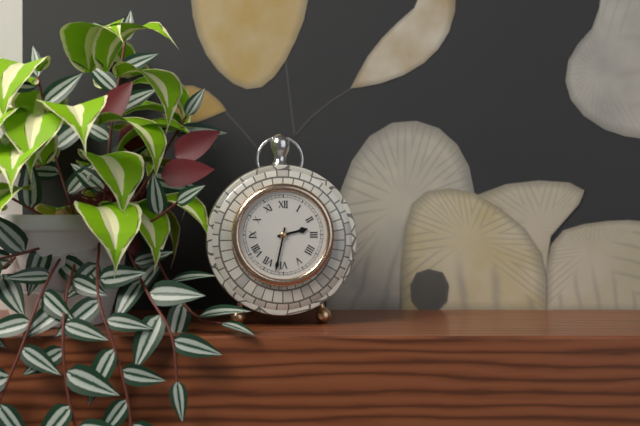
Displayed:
2,32
